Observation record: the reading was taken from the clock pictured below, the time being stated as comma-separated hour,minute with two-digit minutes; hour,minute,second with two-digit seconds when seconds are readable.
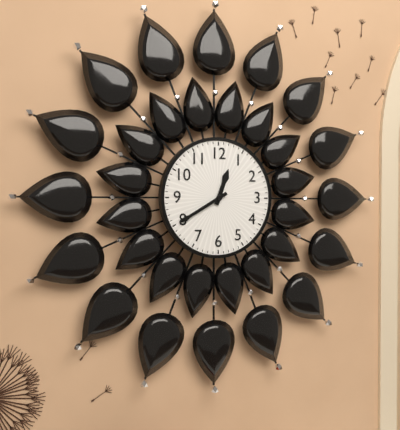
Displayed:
12,40
